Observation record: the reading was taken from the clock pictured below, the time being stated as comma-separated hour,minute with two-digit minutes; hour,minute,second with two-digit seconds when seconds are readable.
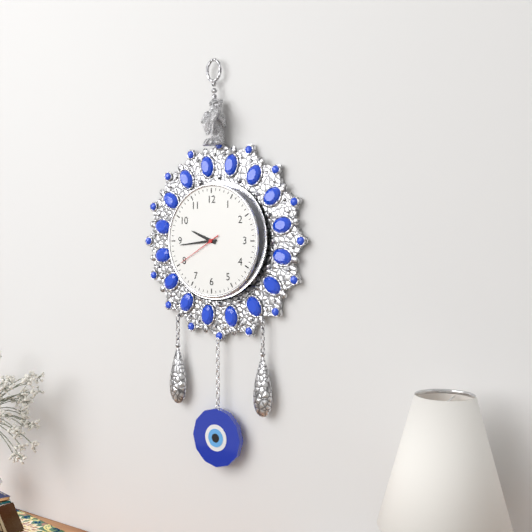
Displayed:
9,44
